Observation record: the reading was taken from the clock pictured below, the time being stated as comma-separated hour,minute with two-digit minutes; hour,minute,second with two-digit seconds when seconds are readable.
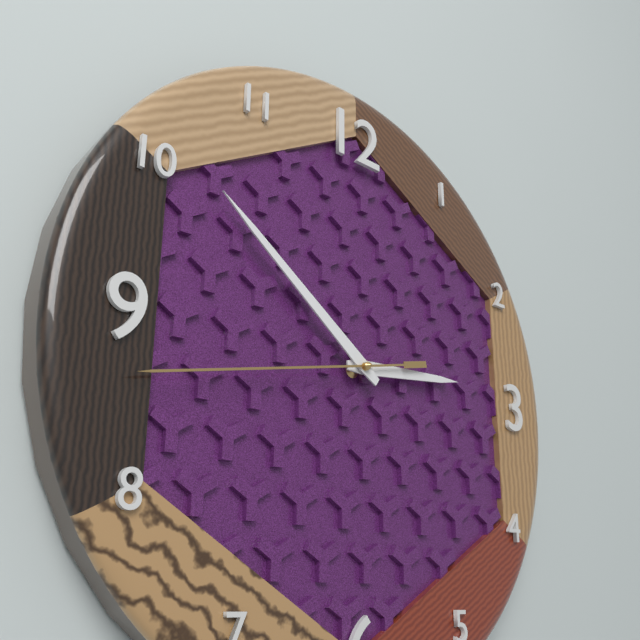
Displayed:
2,51,43
